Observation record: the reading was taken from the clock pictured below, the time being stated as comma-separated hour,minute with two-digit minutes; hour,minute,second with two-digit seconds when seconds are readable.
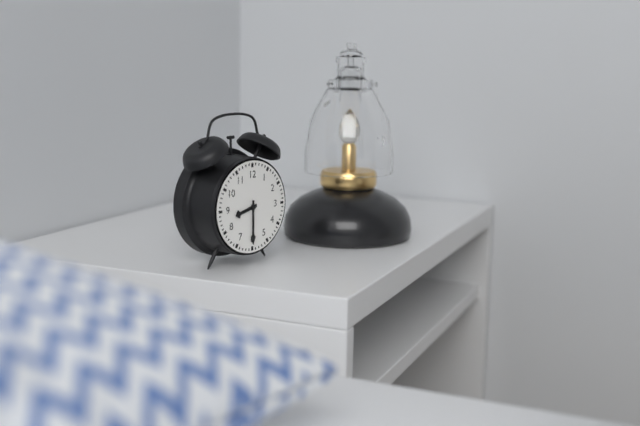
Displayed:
8,30
